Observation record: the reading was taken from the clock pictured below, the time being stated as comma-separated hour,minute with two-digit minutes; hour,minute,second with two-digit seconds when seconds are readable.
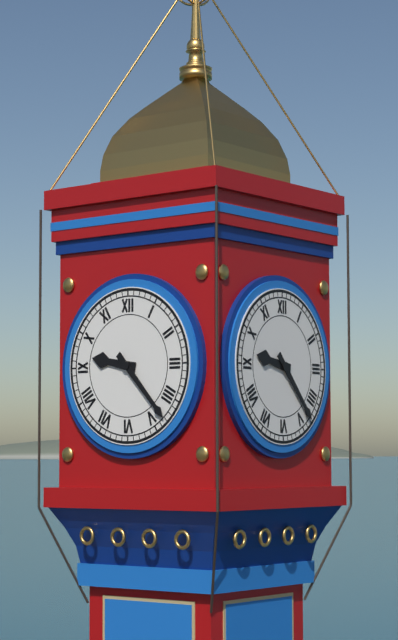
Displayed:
9,23
